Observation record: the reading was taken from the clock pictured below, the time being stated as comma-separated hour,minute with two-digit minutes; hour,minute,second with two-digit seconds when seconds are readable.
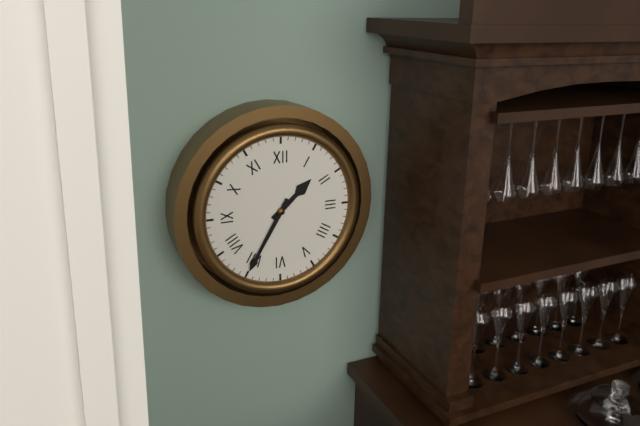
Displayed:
1,35
